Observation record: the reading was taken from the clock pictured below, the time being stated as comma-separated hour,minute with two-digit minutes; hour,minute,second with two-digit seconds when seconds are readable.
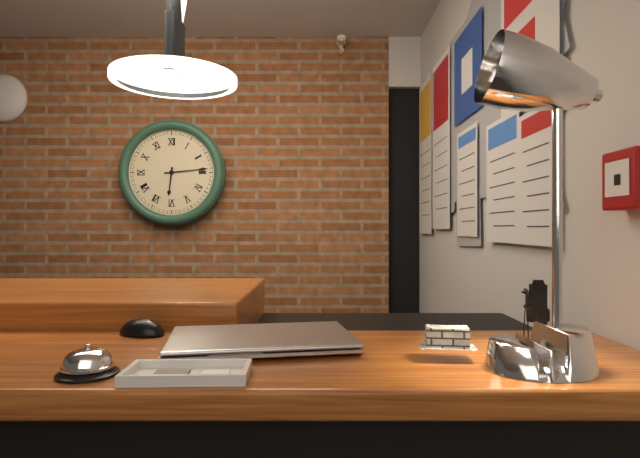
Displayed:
6,14
